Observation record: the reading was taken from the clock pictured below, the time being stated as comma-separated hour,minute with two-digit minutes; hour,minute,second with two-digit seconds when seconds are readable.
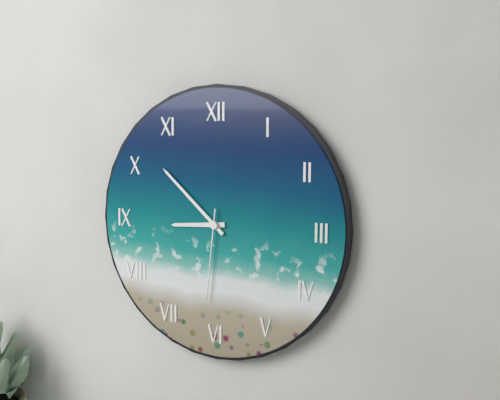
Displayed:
8,52,31
